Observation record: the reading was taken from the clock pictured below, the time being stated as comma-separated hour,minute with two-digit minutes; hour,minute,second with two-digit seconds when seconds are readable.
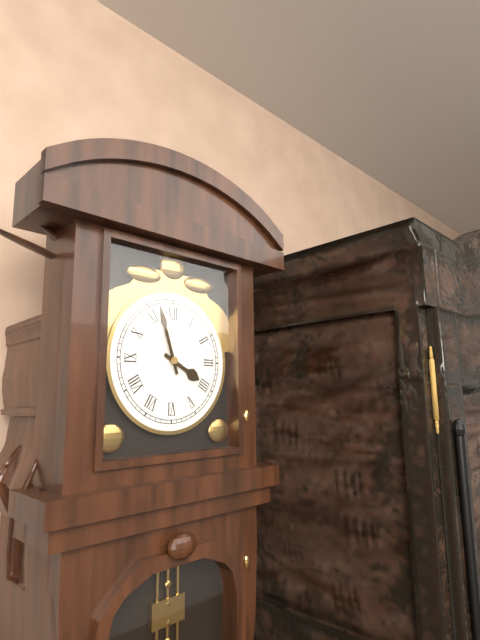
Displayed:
3,57
